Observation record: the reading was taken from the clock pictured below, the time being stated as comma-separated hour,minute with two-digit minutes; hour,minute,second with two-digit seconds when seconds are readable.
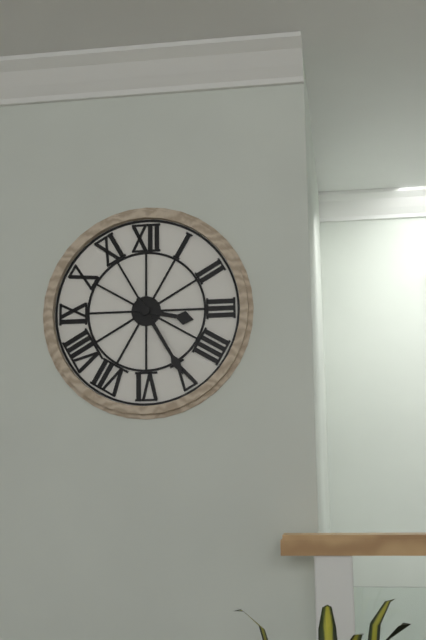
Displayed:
3,25
